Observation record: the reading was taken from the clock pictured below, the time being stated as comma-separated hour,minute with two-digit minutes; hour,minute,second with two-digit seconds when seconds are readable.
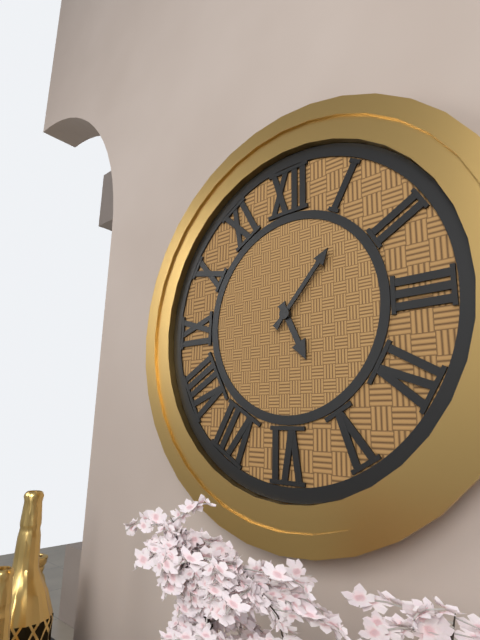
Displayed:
5,07
